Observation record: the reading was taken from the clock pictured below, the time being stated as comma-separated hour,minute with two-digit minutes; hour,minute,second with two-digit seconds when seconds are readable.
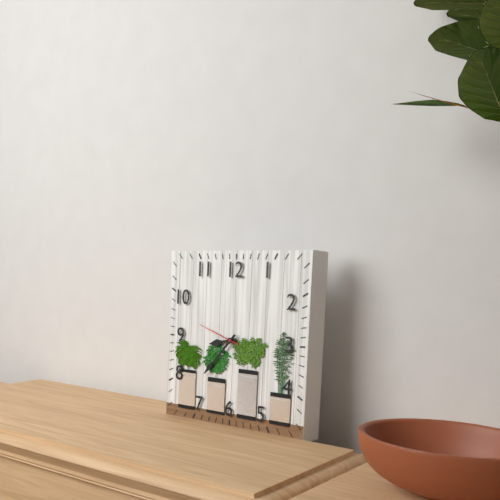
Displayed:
8,37
